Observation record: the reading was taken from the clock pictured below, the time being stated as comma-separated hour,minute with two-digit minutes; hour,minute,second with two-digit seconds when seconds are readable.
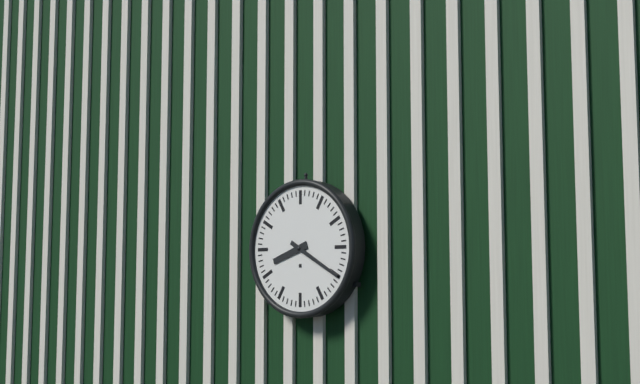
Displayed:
8,20
